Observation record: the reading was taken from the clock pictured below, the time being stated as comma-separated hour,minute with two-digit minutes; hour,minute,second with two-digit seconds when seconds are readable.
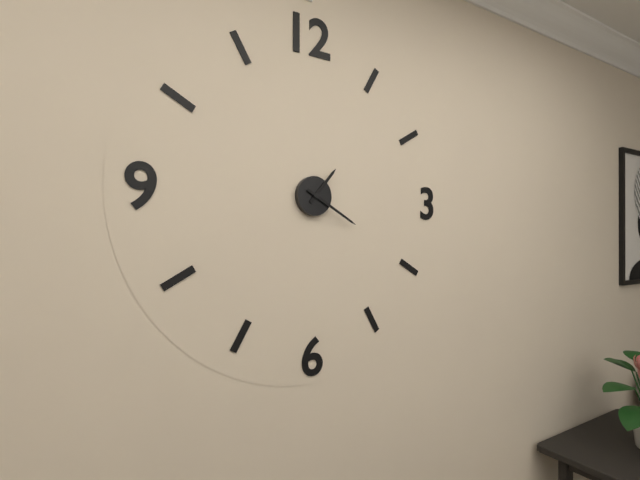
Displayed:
1,20
